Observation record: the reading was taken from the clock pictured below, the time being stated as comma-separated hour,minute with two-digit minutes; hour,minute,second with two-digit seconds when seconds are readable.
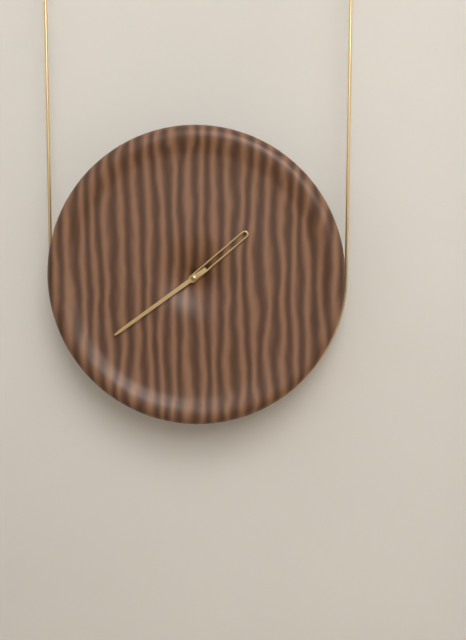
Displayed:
1,39
